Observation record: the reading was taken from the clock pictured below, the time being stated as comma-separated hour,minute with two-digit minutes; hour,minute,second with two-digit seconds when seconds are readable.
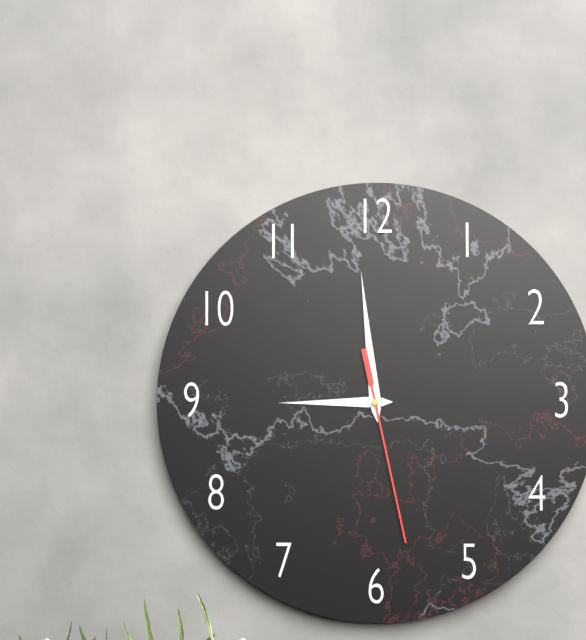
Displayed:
8,59,28
